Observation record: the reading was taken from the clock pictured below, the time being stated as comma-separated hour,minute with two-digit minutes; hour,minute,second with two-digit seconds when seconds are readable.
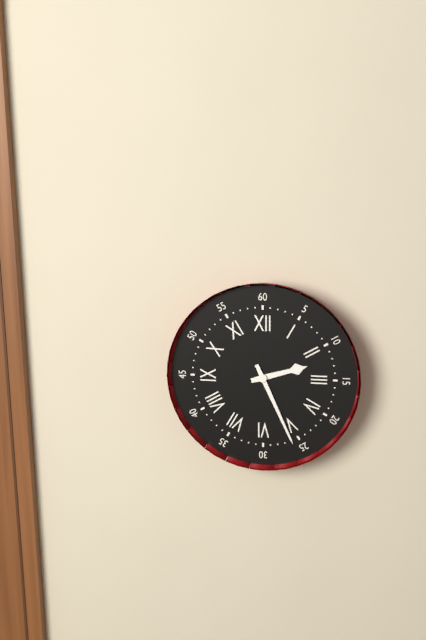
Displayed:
2,26
